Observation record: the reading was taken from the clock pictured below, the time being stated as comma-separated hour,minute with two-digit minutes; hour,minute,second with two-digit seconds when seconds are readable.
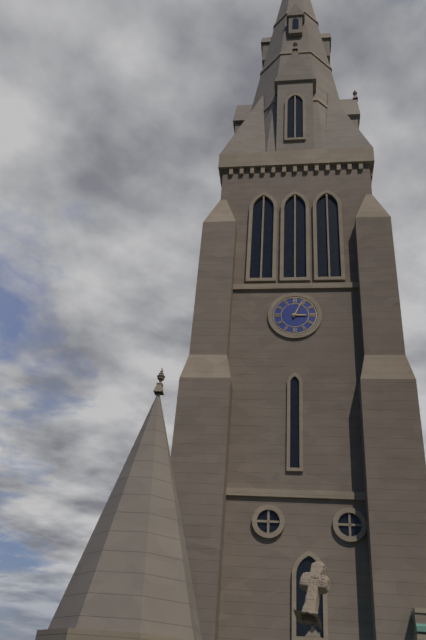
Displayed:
3,04
